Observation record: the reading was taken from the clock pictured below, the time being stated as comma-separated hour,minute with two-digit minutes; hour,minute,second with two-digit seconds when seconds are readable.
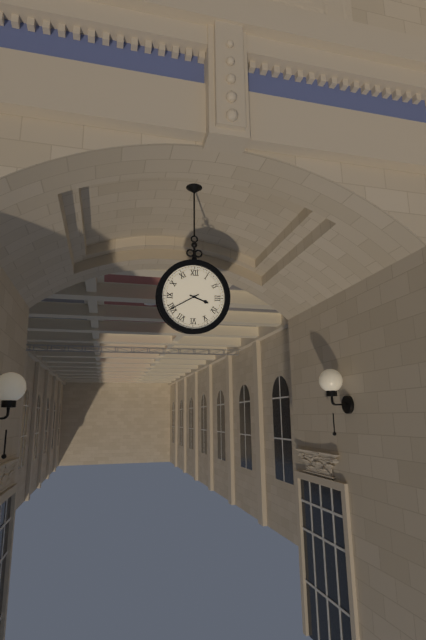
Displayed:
3,40
